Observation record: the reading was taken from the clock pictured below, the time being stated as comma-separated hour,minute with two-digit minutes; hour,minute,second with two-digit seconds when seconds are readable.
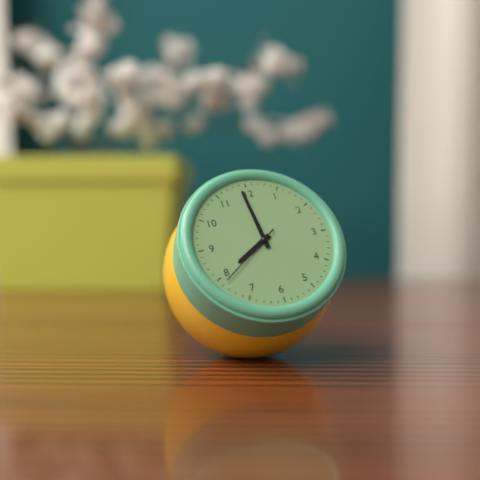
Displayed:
7,59,39
